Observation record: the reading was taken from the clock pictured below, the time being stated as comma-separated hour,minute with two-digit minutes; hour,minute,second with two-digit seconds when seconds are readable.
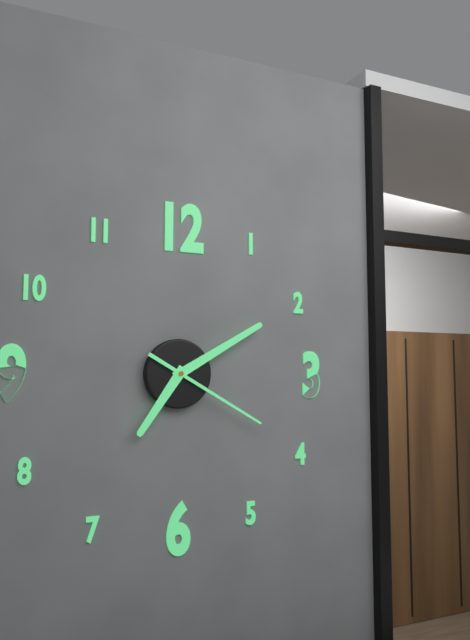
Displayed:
7,10,20
